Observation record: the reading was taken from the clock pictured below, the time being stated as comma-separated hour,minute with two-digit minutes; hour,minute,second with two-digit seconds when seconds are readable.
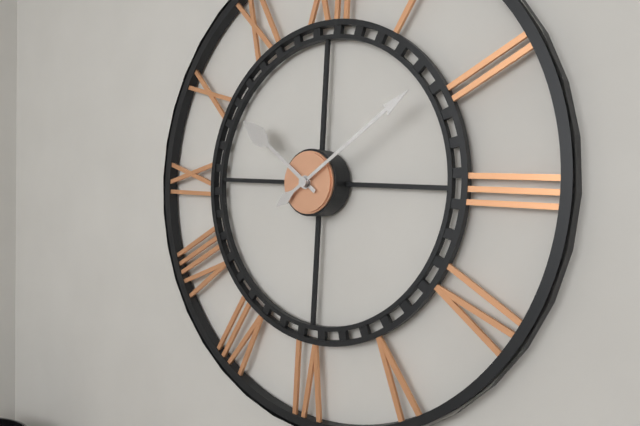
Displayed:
10,09
